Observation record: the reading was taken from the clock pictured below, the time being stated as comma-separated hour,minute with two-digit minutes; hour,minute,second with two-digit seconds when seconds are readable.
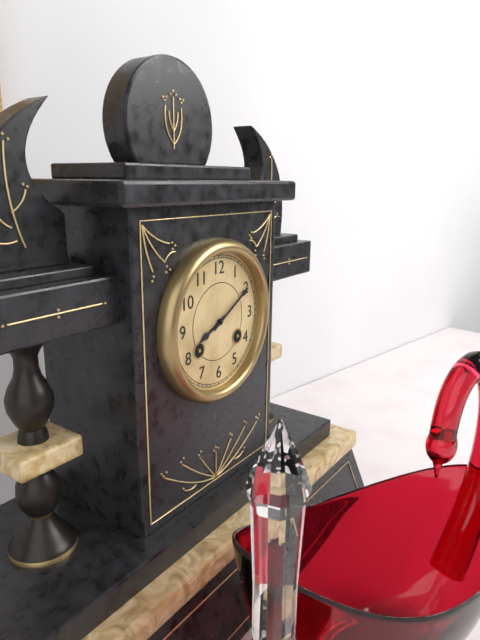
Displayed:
8,10
